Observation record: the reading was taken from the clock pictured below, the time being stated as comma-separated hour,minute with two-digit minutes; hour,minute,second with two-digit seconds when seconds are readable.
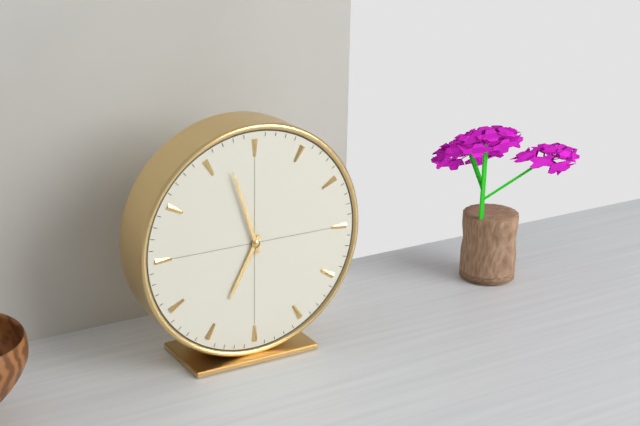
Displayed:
6,57
